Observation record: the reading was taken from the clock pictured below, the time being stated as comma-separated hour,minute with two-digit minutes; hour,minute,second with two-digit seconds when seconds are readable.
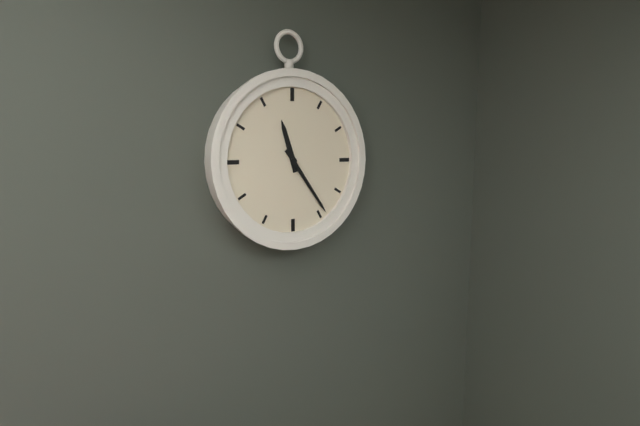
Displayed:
11,24
